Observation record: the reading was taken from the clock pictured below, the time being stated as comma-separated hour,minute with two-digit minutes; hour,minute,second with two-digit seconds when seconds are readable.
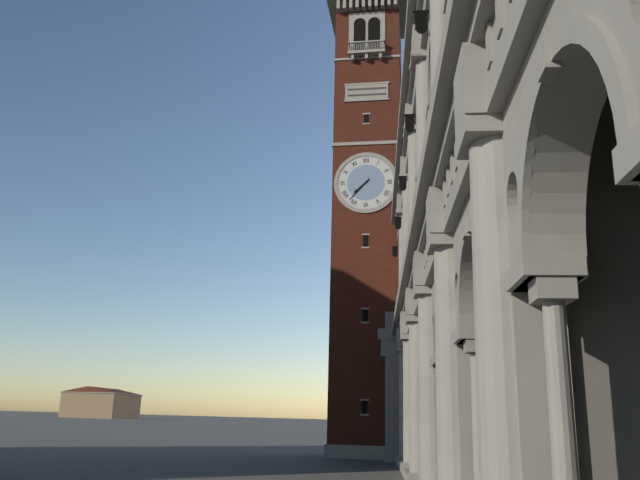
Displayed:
7,37
